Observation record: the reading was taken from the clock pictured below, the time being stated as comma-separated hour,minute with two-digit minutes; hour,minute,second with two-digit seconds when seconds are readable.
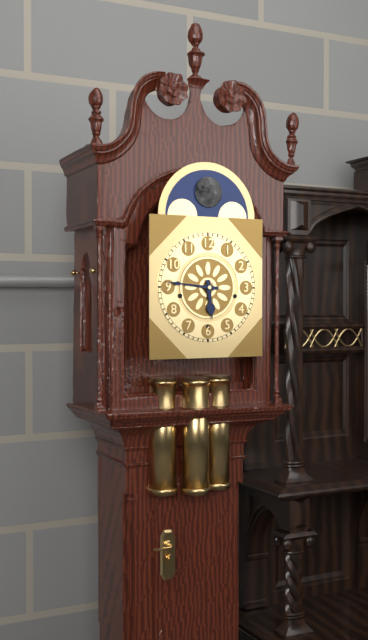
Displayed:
5,46
